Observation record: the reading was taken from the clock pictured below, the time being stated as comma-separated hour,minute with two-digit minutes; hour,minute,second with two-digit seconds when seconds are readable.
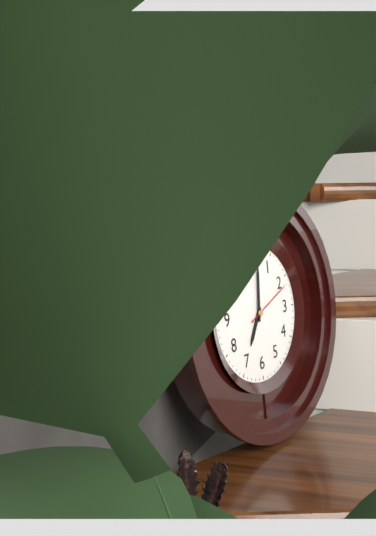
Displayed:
7,01,11
